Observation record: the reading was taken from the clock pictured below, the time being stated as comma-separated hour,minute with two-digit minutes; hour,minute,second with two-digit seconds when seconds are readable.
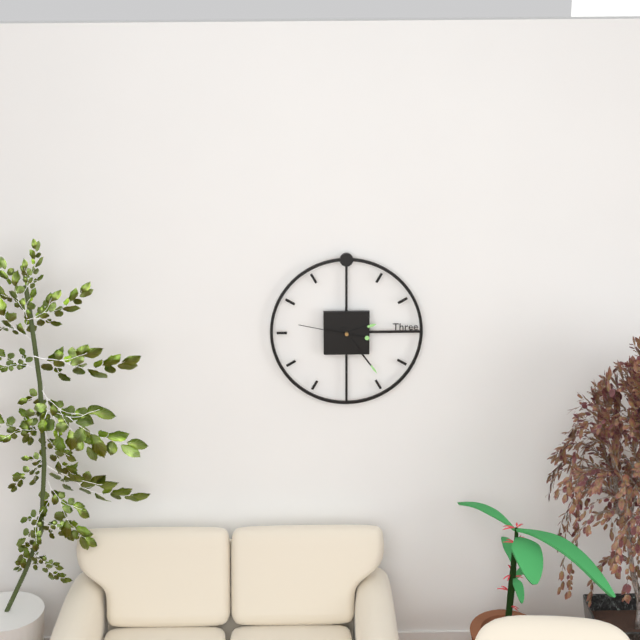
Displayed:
2,24,47
